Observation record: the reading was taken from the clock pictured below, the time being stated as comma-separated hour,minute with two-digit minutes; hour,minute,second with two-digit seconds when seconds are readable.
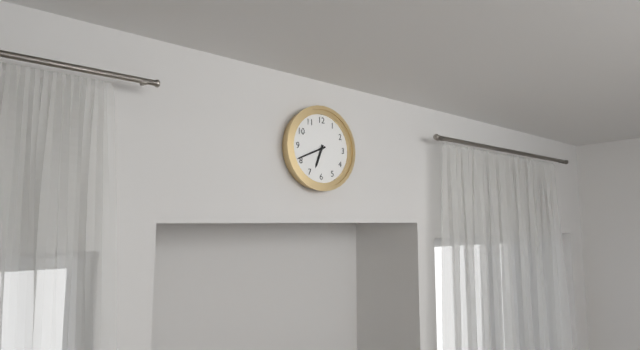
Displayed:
6,41
